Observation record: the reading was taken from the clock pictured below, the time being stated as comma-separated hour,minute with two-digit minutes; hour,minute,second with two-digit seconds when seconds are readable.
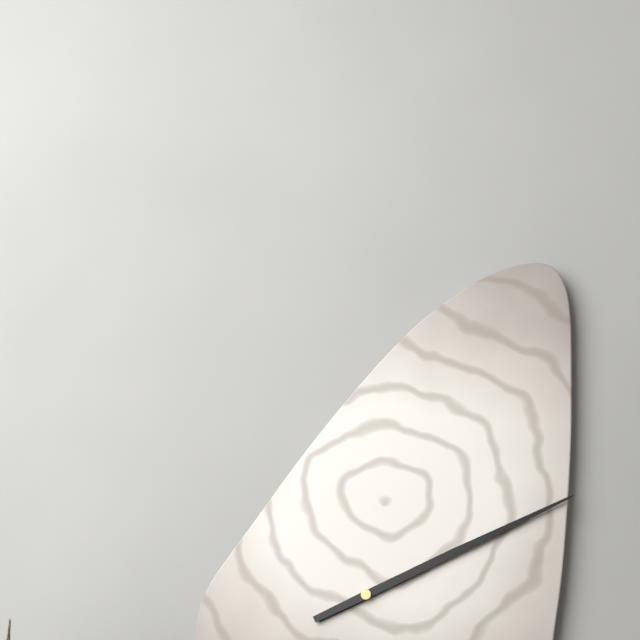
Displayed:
2,11
